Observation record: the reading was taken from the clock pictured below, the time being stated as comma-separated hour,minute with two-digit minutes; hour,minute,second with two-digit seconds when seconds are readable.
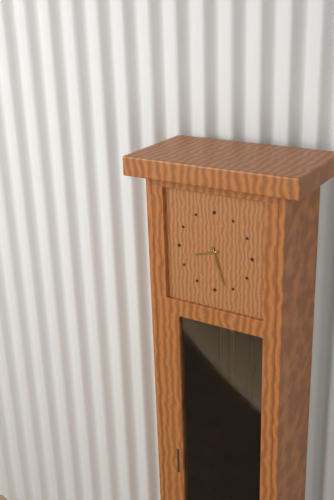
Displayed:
8,27
